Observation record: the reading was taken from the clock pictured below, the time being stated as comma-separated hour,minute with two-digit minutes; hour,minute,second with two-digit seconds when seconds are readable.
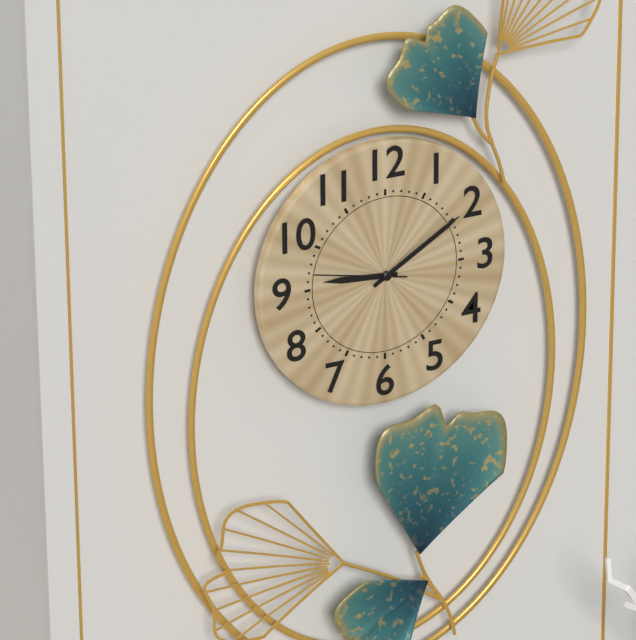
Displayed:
9,10,47
